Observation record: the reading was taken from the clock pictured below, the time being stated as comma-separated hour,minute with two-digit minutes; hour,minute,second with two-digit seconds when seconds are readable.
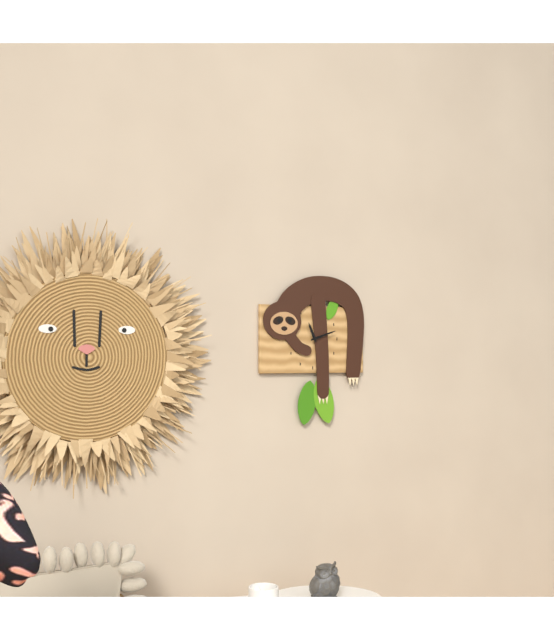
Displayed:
11,12
